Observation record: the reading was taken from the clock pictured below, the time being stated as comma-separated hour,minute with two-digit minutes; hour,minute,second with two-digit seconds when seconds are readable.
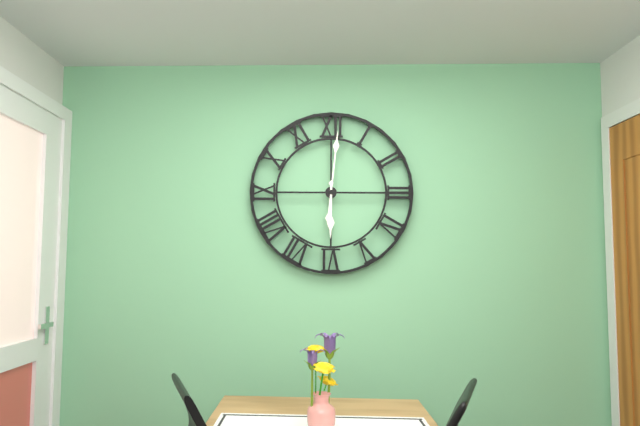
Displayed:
6,01
